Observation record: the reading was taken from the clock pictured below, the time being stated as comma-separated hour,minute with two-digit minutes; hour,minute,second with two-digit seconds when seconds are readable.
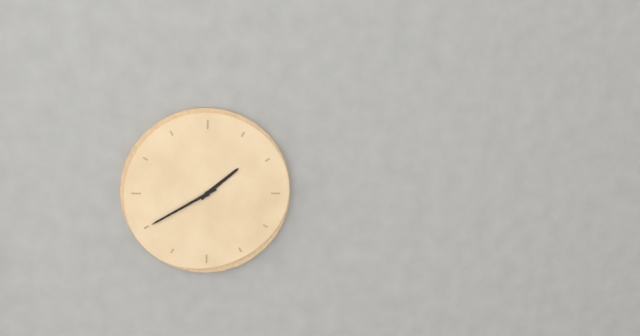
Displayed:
1,40
